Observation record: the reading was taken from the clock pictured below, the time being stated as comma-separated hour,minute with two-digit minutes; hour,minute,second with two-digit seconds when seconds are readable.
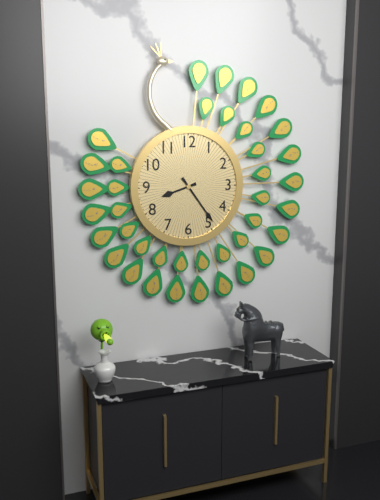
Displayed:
8,24
